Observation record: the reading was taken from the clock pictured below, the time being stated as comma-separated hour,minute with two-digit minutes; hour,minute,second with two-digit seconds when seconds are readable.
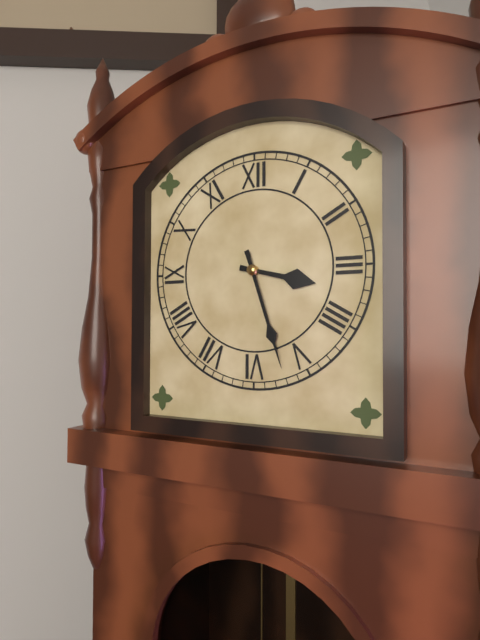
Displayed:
3,27
